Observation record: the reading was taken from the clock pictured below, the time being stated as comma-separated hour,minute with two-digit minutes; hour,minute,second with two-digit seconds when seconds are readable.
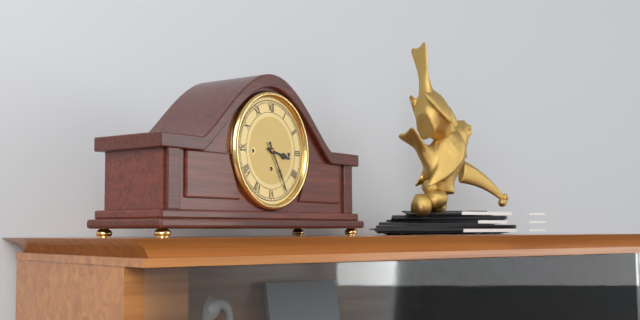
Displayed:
3,25
